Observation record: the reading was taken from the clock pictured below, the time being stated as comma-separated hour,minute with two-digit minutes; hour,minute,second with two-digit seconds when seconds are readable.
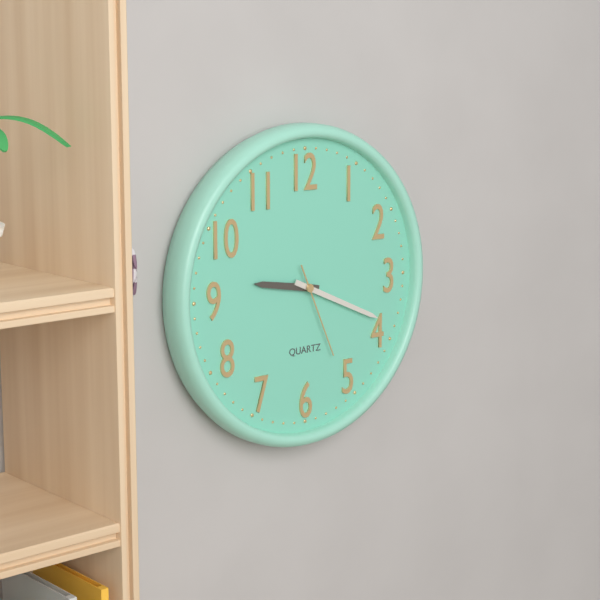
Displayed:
9,19,26
